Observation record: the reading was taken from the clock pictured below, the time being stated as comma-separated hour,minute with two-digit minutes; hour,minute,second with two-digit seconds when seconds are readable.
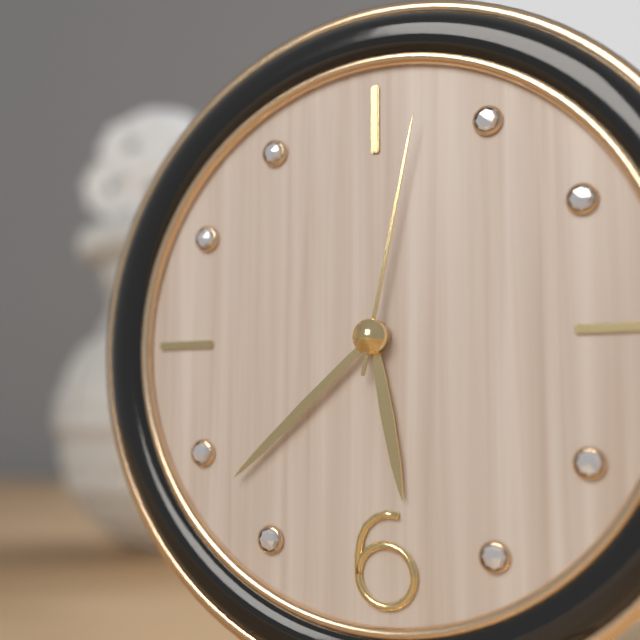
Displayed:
5,38,02
